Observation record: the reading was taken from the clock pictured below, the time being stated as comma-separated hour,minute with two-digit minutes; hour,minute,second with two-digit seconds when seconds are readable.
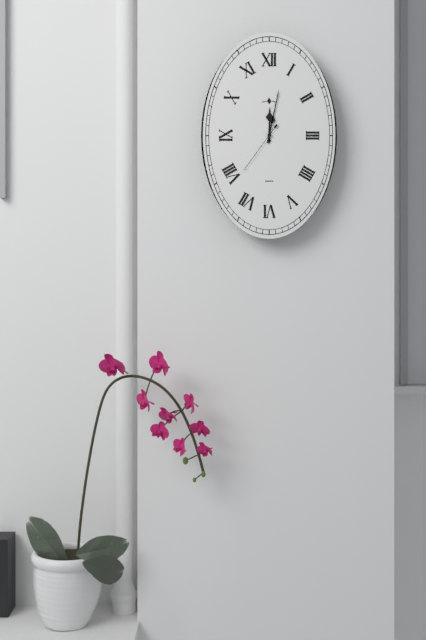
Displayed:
12,02,36
